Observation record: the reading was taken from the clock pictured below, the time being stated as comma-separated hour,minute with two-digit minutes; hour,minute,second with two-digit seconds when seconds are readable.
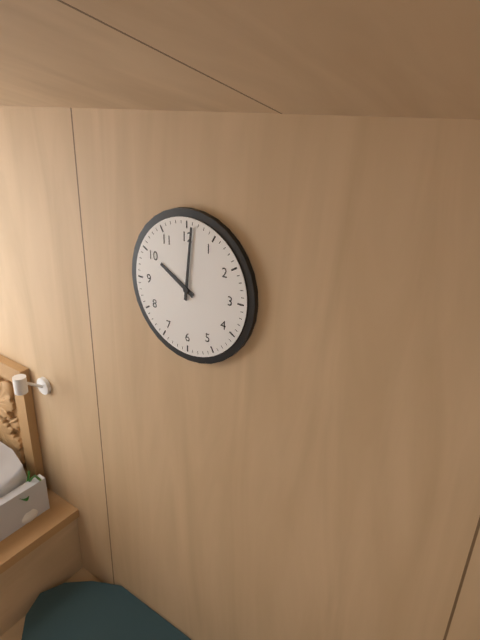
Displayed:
10,01
